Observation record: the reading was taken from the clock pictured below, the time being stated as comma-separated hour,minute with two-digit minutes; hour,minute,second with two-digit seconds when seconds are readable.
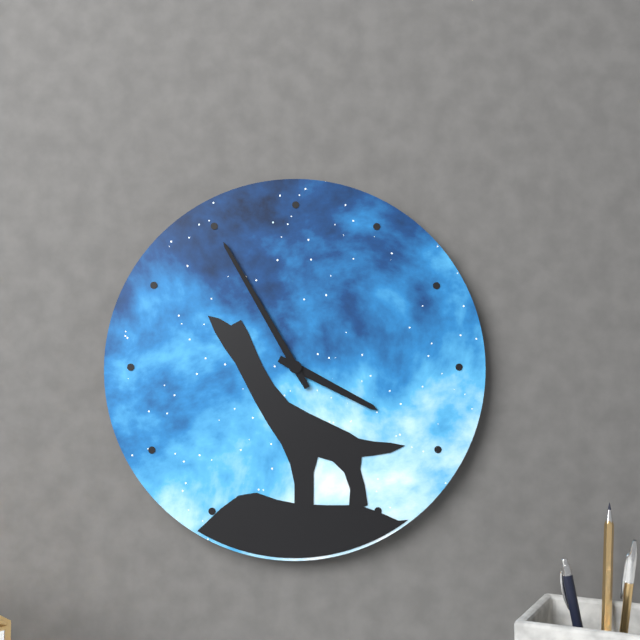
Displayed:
3,55
